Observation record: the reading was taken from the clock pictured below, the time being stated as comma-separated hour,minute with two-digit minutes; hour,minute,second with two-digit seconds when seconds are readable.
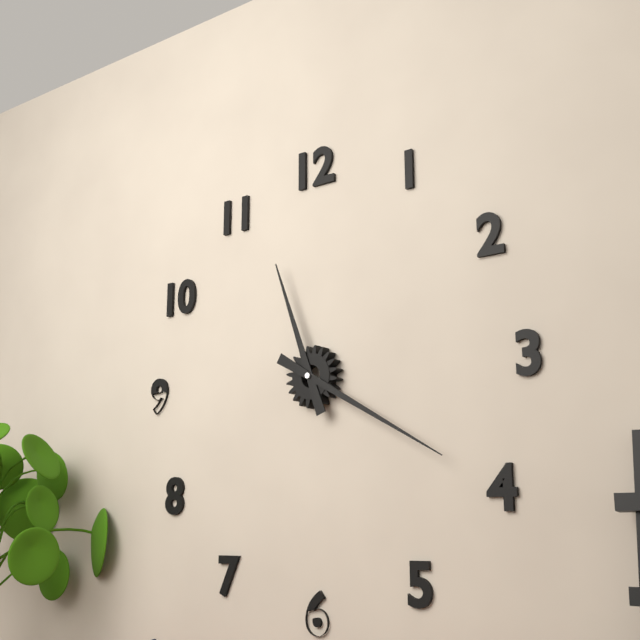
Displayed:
11,20
